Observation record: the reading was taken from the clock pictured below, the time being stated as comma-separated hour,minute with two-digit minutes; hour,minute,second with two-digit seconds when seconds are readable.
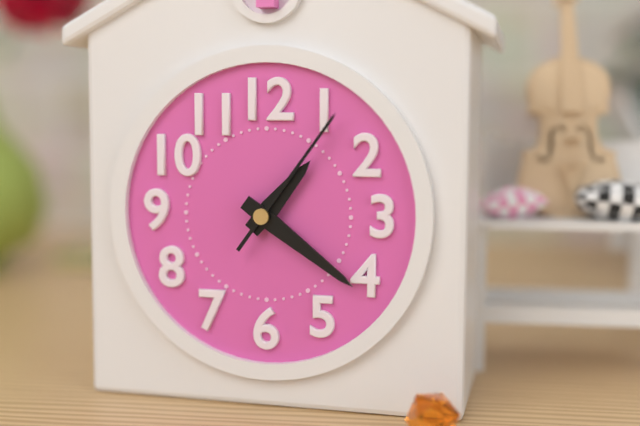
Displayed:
1,21,06
